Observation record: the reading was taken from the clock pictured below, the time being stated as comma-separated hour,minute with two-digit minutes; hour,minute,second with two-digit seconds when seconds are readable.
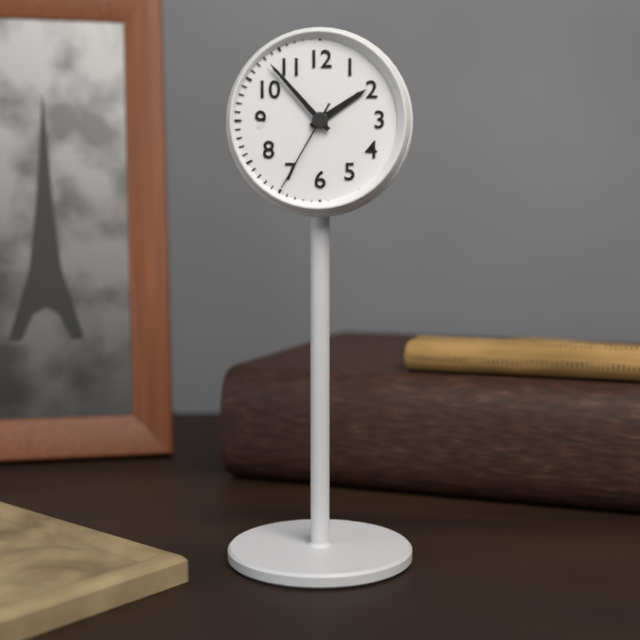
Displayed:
1,53,35
